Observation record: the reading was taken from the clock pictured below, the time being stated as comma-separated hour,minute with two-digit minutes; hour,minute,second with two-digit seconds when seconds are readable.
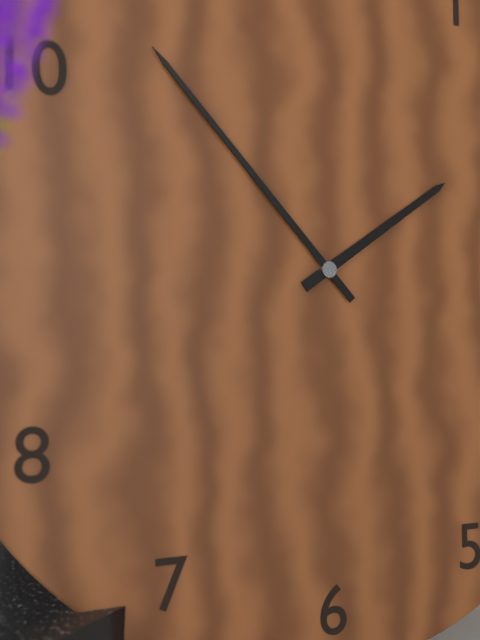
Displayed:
1,53
